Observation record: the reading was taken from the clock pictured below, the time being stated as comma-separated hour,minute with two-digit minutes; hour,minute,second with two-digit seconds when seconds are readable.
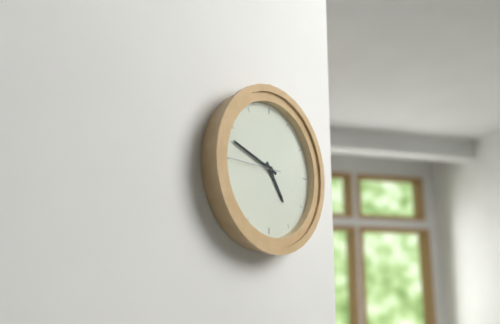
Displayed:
4,48,45
